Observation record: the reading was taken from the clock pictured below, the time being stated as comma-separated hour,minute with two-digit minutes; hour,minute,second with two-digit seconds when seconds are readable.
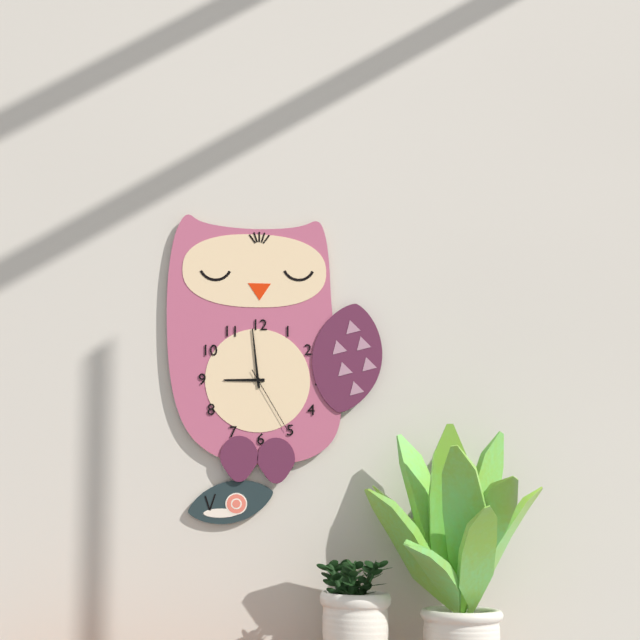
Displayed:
8,59,25
